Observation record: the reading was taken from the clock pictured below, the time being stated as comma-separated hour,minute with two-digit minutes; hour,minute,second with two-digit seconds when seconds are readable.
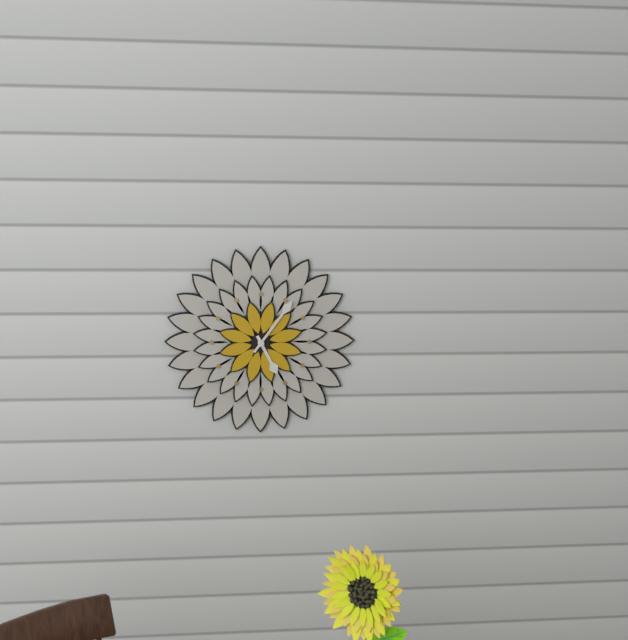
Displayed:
5,06
